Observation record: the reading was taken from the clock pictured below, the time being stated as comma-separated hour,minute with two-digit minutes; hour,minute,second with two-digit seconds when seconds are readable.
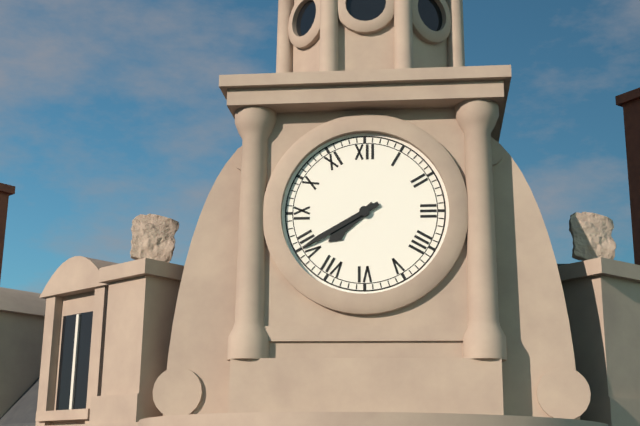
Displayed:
7,40
